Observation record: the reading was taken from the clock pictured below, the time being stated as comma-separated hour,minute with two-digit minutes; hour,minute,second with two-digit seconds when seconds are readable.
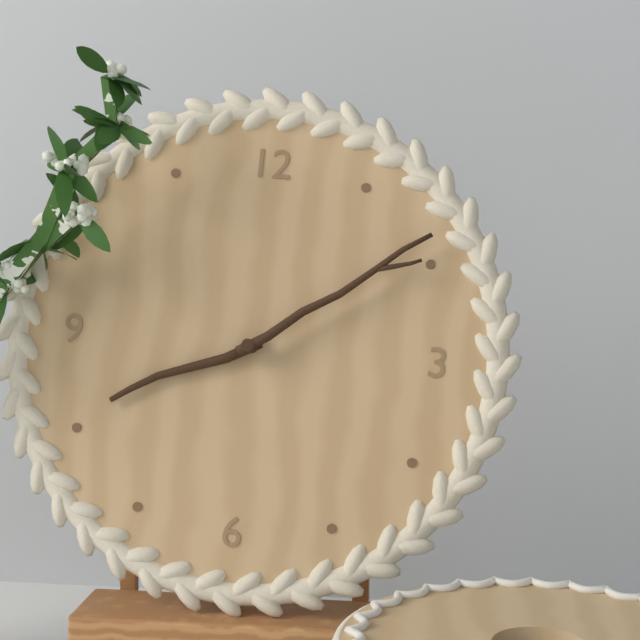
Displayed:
8,09
